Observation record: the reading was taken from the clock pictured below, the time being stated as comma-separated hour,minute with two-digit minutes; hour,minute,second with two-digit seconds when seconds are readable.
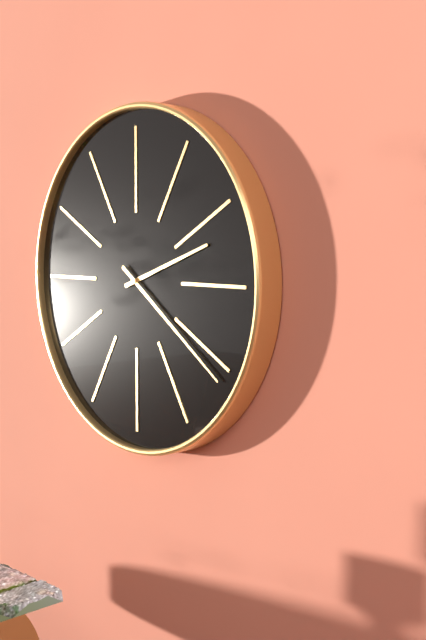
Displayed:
2,21
